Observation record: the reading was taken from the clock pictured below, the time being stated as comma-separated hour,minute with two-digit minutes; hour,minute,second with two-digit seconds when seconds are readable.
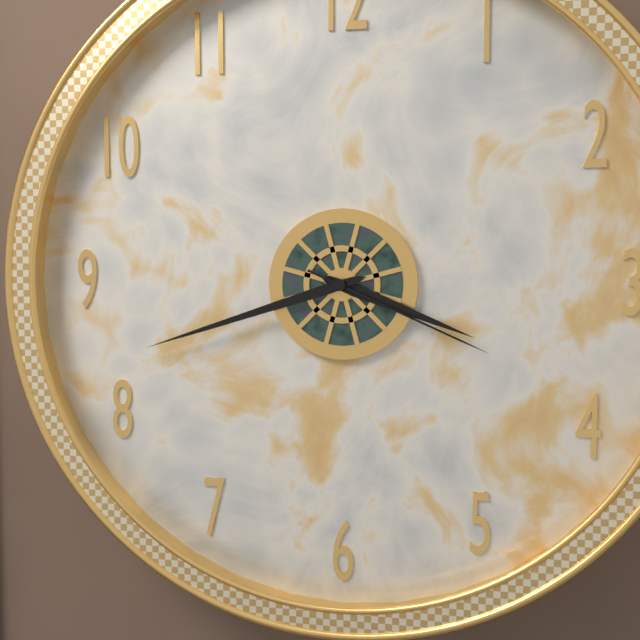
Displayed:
3,42,19
